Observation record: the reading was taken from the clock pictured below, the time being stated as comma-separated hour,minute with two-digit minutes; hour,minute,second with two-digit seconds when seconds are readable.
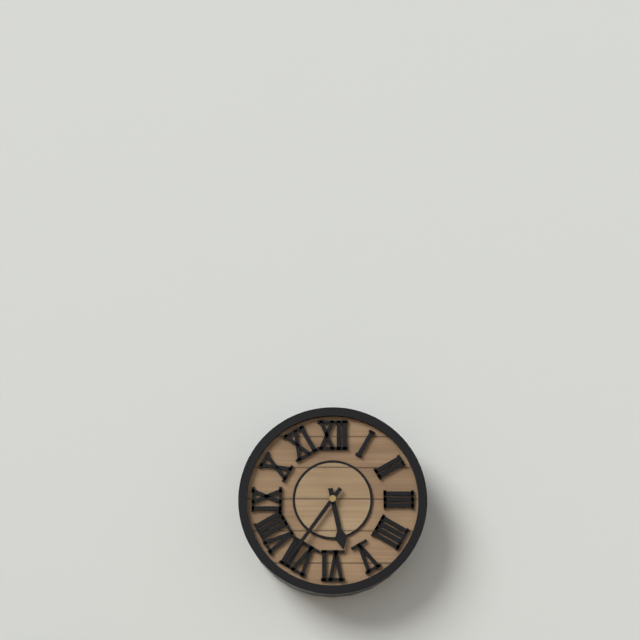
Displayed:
5,36
